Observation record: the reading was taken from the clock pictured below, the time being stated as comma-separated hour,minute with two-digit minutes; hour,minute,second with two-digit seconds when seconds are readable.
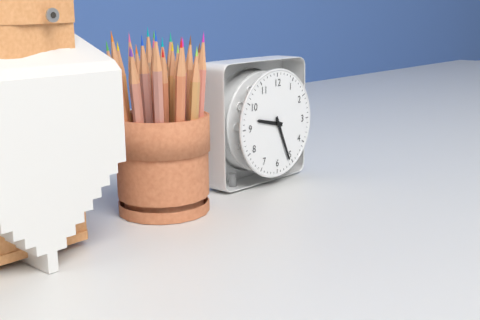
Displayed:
9,26
